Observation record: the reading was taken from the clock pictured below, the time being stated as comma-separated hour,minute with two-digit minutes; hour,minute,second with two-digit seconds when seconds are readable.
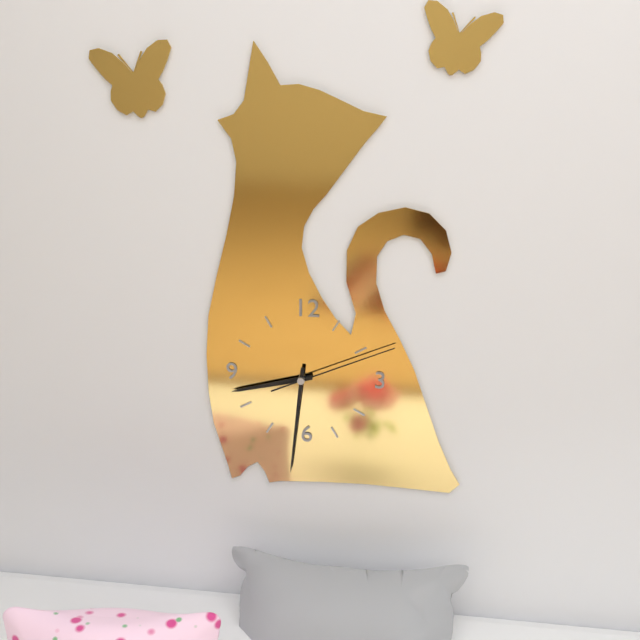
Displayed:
8,31,11
